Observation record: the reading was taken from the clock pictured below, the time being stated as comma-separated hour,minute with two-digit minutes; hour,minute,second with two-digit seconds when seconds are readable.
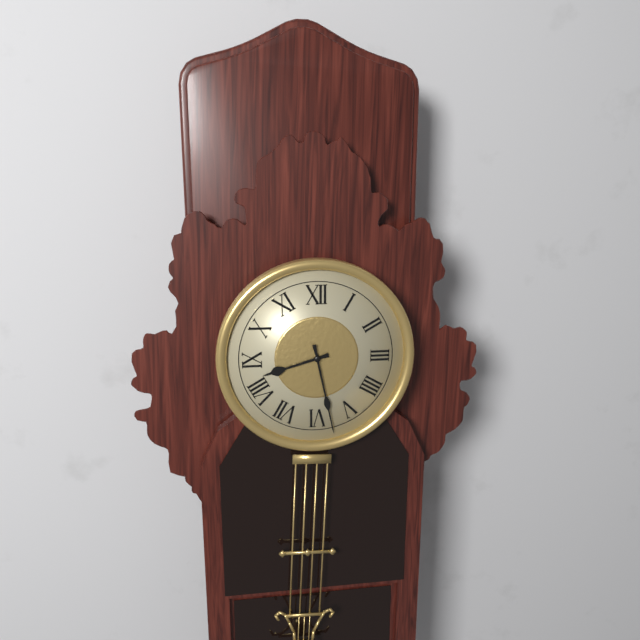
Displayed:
8,28
